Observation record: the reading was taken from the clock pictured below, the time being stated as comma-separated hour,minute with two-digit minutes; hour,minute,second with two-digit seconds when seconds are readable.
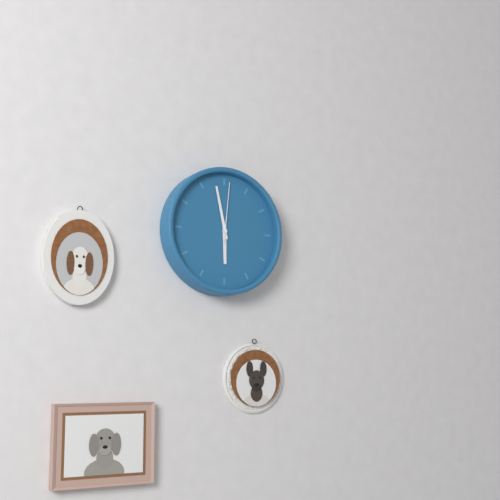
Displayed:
5,58,01
